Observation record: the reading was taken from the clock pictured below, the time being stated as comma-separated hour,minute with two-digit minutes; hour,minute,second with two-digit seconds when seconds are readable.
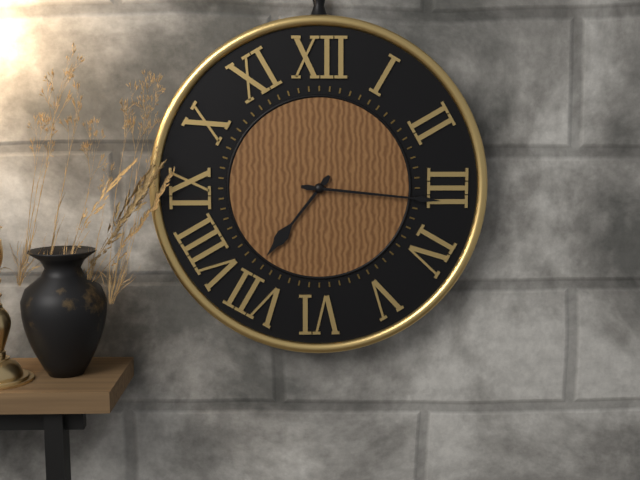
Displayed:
7,16
